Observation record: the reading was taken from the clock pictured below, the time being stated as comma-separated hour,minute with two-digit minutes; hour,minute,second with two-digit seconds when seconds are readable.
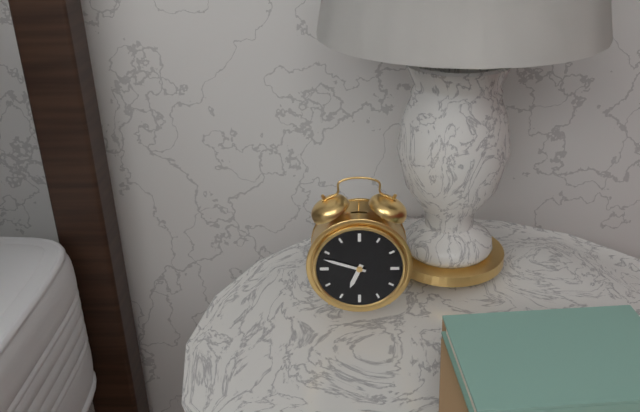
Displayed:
6,48
